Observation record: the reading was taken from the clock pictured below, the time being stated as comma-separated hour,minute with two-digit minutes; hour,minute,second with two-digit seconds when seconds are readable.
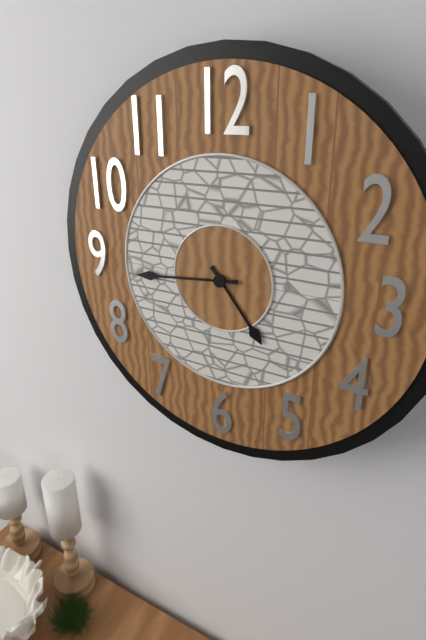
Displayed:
4,44
